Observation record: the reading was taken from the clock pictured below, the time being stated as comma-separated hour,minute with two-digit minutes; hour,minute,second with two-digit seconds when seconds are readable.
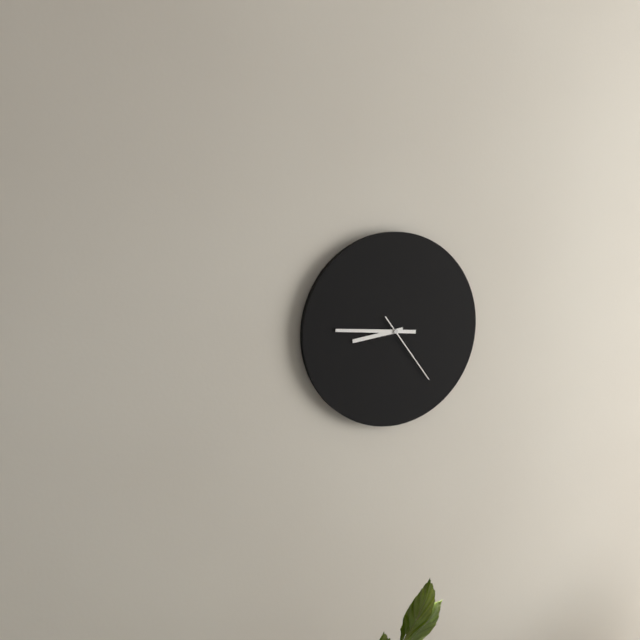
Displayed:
8,46,24
